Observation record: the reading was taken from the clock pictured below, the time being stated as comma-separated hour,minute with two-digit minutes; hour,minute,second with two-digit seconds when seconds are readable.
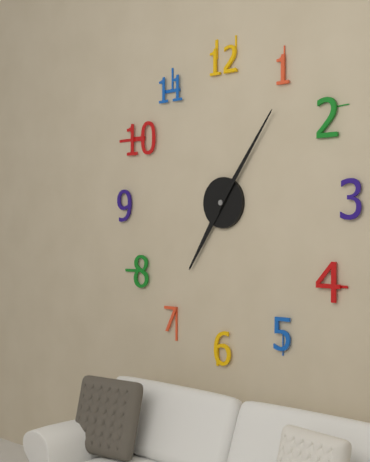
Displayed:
7,06
